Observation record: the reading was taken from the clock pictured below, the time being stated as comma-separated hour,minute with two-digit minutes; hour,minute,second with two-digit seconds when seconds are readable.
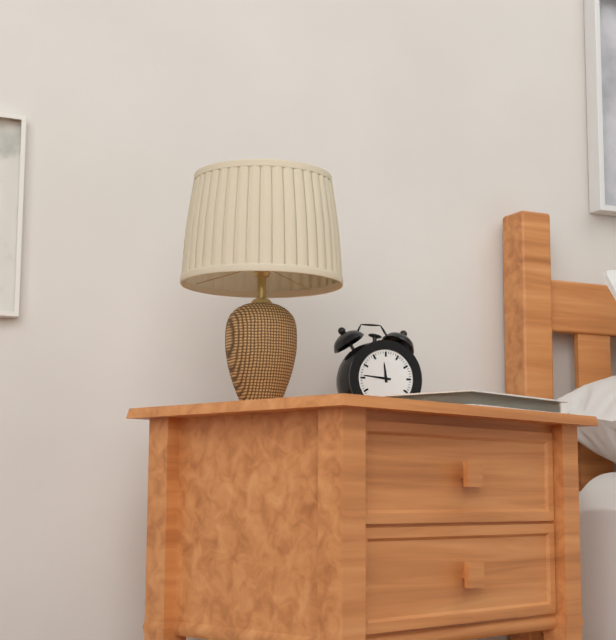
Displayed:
11,46
